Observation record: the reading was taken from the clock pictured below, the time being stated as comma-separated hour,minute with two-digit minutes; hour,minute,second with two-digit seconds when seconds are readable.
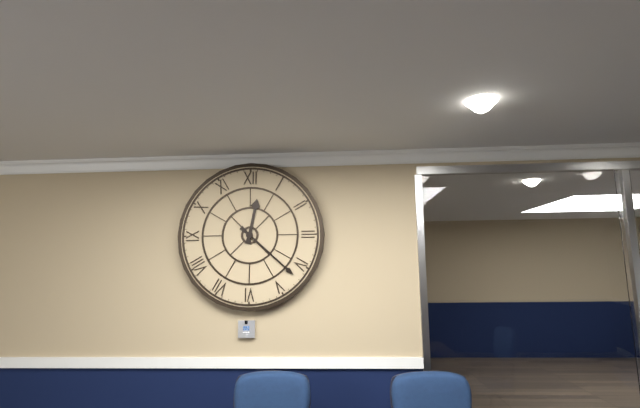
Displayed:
12,22
